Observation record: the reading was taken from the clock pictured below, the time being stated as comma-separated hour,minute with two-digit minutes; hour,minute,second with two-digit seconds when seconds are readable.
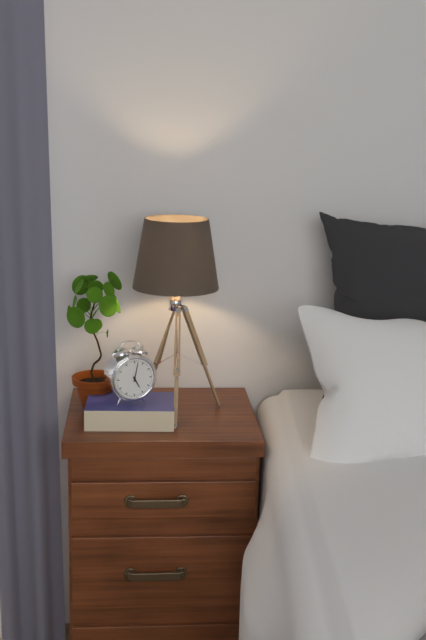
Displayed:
5,02
